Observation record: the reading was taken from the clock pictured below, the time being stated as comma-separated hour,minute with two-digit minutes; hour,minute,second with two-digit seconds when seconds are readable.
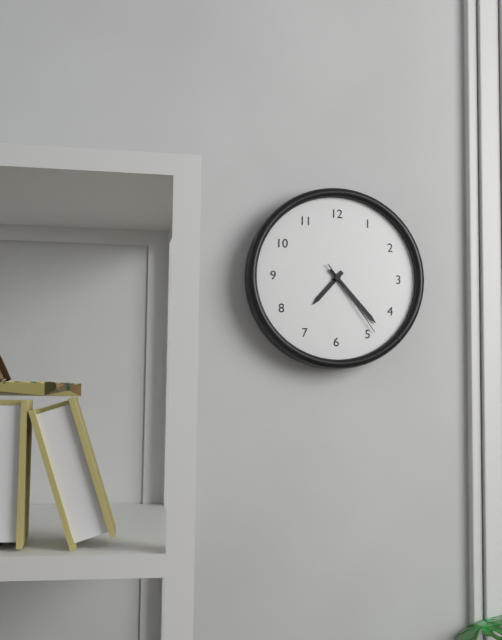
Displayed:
7,23,24
